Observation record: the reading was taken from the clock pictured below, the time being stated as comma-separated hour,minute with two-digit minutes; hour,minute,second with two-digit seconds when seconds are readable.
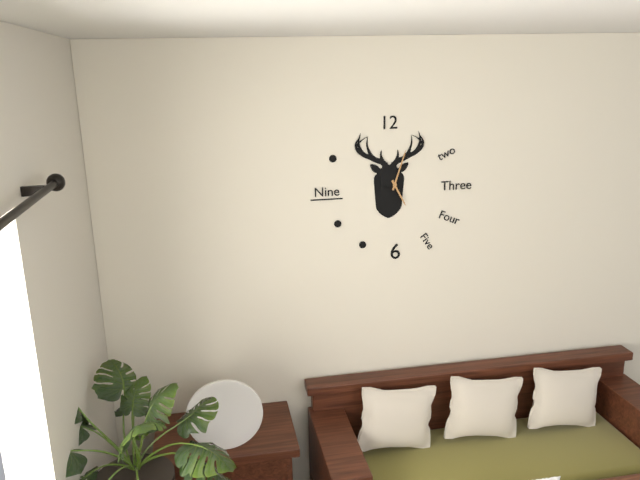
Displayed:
5,03
